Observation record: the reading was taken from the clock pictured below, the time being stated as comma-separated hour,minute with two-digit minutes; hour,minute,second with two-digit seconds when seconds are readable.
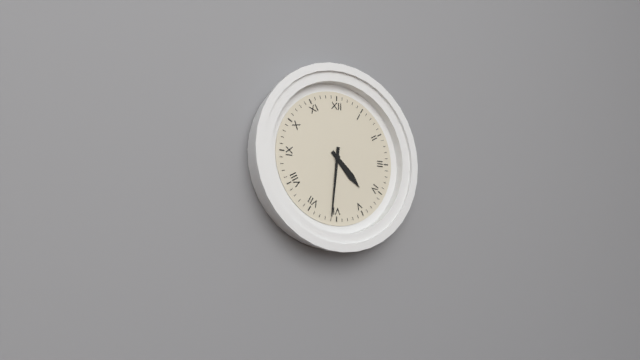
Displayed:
4,31
